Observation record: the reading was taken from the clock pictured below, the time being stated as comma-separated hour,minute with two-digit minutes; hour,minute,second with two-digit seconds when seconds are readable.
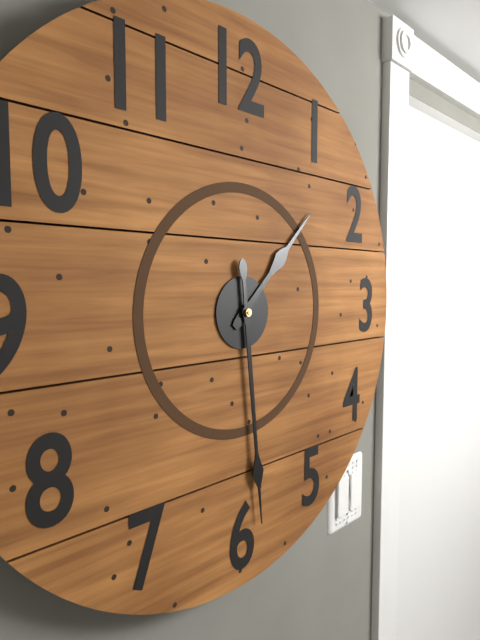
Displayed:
1,29
